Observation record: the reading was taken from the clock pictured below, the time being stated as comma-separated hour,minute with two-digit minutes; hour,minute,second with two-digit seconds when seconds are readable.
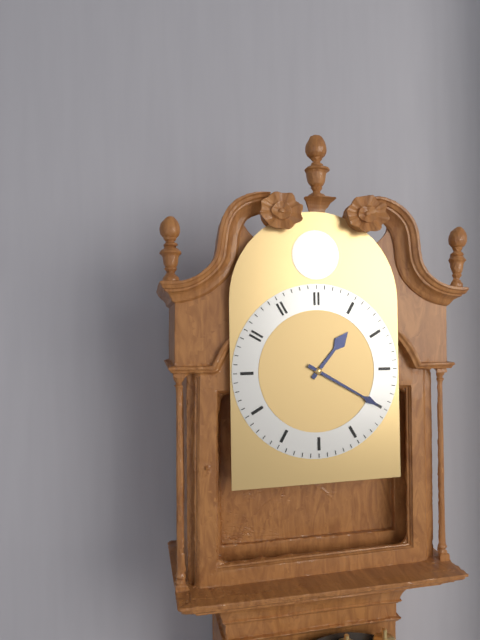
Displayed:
1,20
